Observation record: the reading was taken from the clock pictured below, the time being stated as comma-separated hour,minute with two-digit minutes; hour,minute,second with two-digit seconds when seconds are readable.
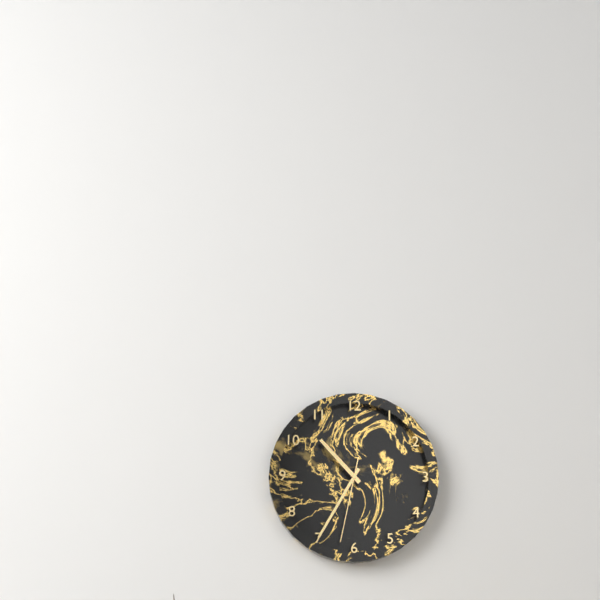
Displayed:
10,35,32
